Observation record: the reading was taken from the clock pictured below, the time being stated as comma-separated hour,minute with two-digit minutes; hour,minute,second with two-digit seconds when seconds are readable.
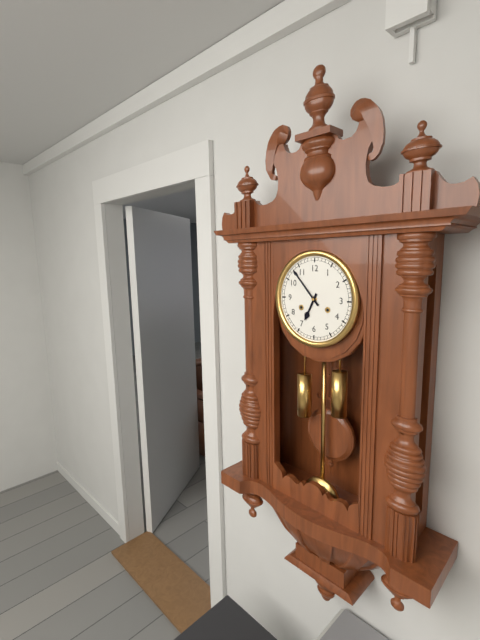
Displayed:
6,53
